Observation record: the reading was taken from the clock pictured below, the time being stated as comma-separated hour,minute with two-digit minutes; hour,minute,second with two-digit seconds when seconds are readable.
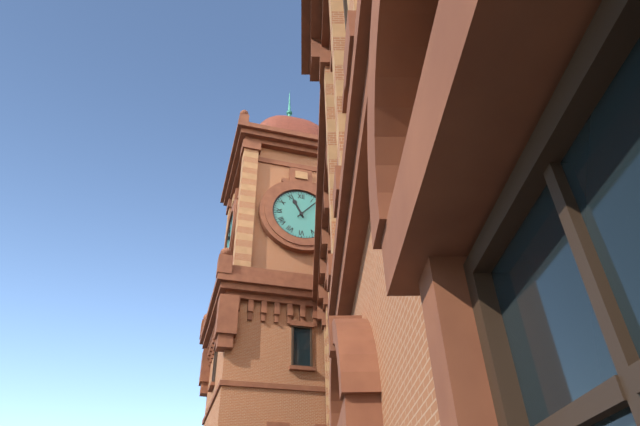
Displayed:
11,07
